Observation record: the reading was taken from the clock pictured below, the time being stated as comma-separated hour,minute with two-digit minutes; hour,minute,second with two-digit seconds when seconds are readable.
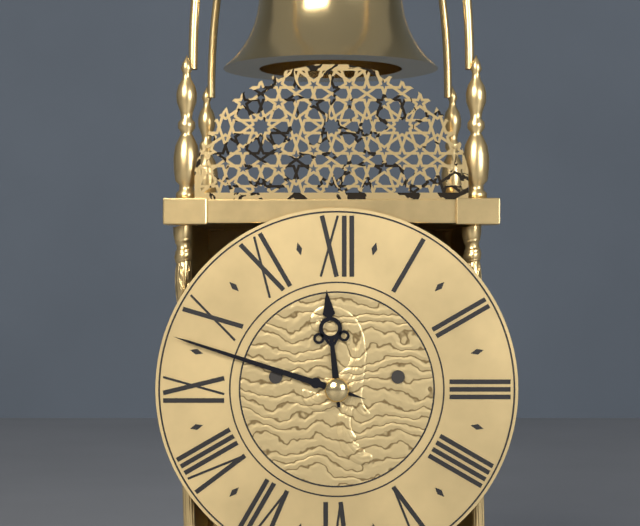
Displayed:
11,48
